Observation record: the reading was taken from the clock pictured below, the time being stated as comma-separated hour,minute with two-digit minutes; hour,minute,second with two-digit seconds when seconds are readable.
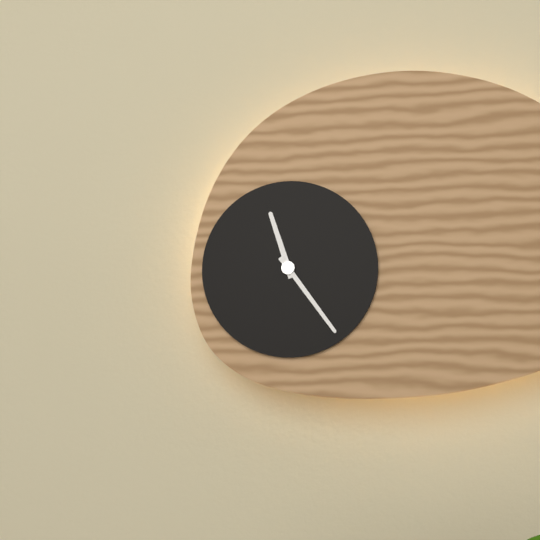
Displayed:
11,24
